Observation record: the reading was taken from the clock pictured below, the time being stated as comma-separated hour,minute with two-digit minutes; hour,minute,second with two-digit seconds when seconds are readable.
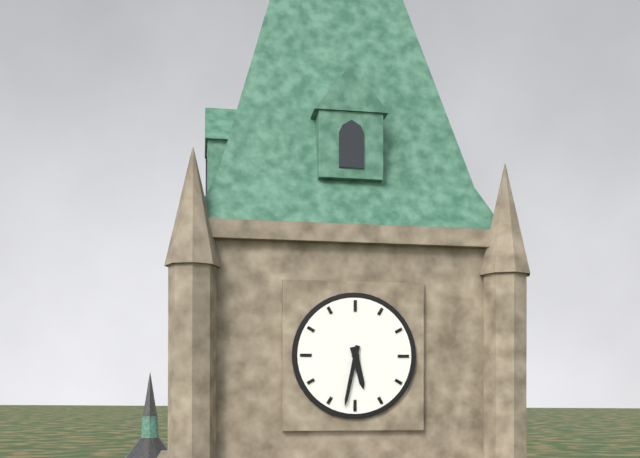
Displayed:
5,32
